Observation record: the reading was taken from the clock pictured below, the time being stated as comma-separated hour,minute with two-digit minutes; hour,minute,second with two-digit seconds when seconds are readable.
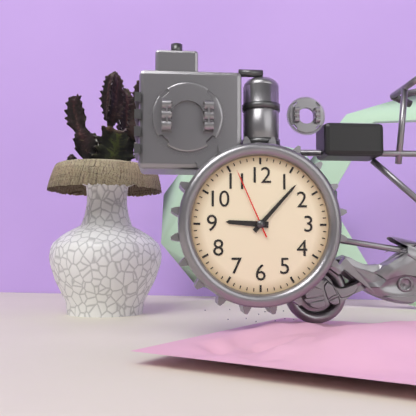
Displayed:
9,07,56
